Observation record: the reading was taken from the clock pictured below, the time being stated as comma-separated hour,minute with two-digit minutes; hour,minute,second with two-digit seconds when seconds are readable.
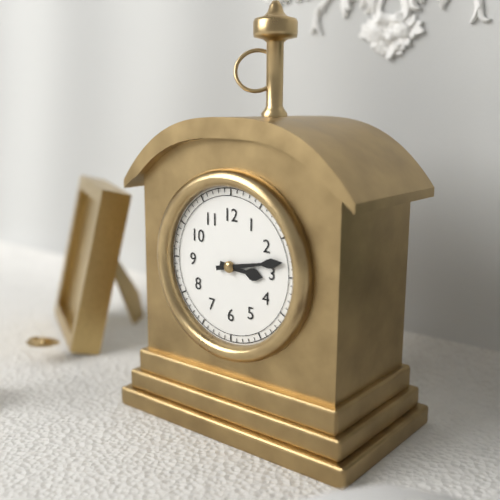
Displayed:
3,13
